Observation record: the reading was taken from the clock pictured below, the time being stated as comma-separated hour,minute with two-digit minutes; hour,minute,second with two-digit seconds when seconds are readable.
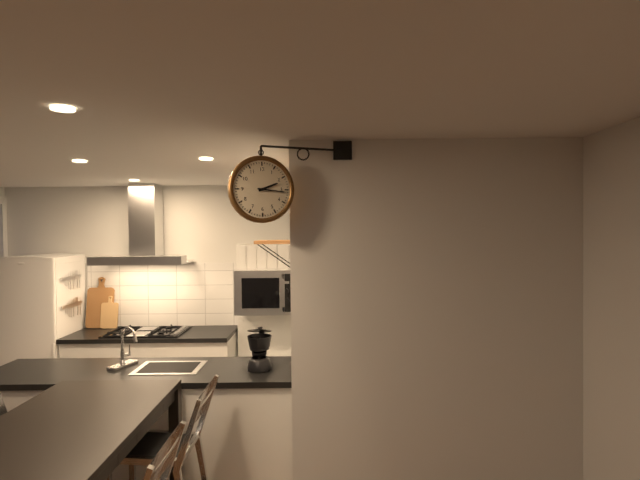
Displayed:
2,16
